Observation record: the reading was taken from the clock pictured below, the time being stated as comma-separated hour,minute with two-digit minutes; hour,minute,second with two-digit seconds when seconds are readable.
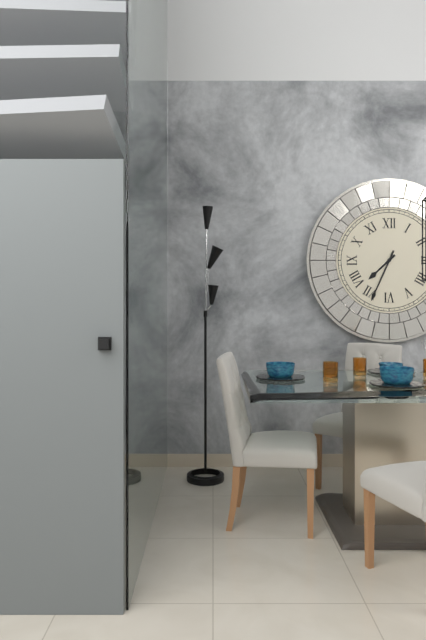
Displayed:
7,34
